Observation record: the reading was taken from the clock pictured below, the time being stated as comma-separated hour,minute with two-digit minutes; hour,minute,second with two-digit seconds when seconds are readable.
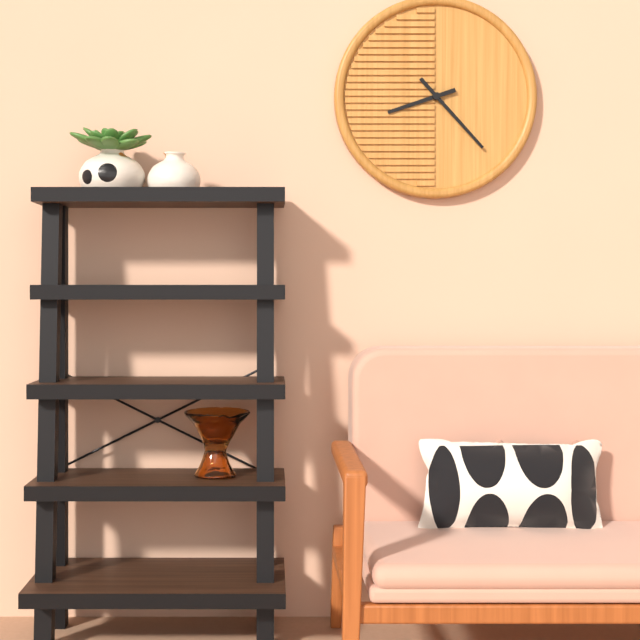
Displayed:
8,23
